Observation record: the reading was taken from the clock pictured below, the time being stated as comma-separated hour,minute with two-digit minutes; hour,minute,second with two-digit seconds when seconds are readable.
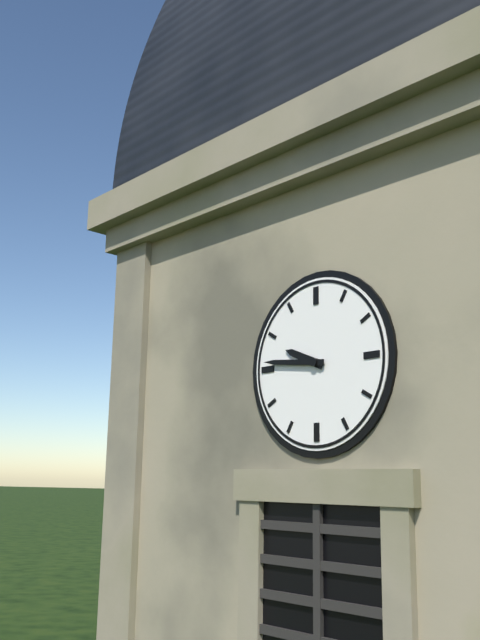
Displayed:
9,46
